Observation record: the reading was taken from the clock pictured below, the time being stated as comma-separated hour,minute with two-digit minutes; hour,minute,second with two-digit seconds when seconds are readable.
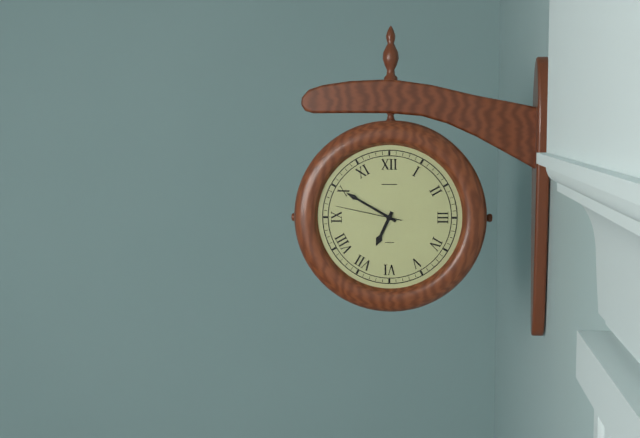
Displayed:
6,50,47
